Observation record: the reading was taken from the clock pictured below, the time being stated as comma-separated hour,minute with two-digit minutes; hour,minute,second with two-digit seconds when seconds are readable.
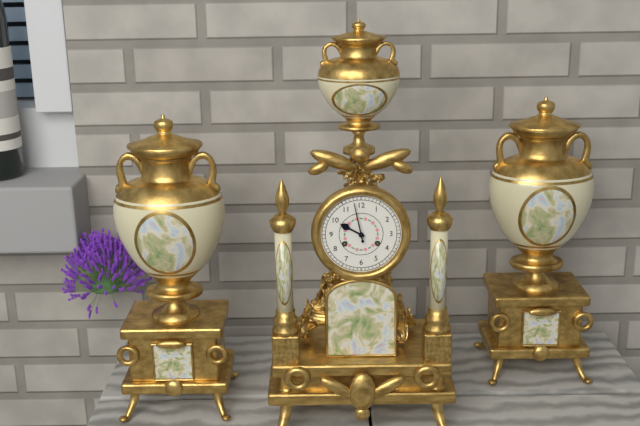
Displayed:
9,58
